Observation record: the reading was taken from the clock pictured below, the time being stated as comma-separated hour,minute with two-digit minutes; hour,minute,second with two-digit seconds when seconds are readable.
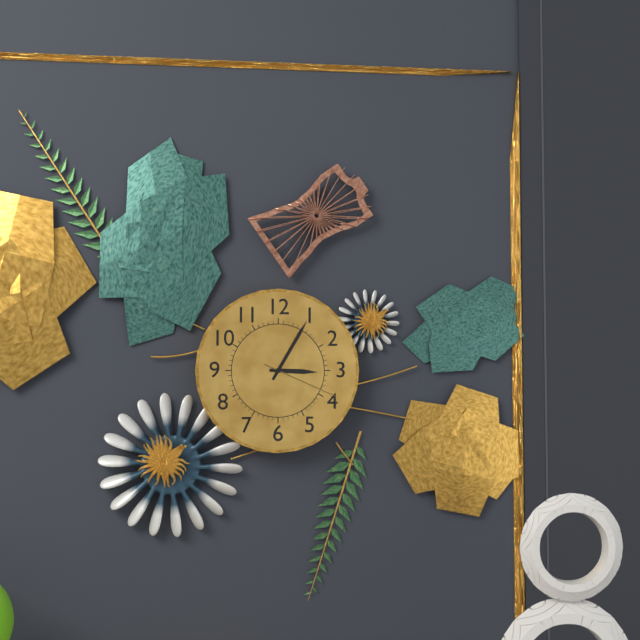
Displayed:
3,05,19
